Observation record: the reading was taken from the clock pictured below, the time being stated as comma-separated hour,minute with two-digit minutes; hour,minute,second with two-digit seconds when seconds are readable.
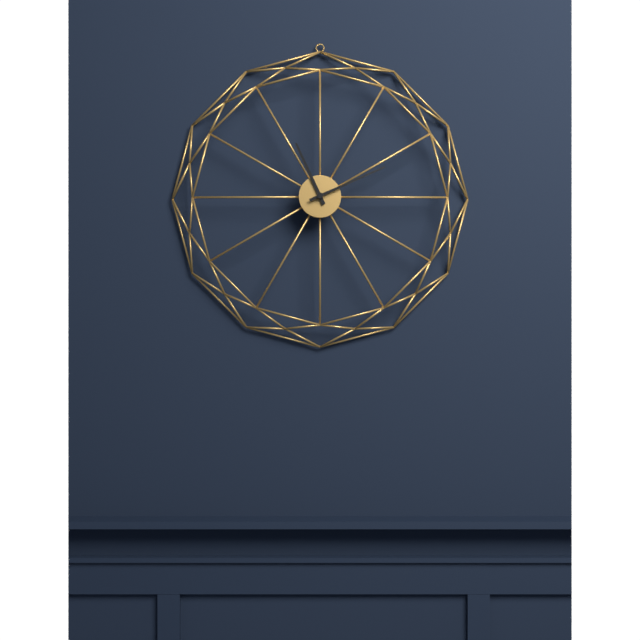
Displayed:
11,11
